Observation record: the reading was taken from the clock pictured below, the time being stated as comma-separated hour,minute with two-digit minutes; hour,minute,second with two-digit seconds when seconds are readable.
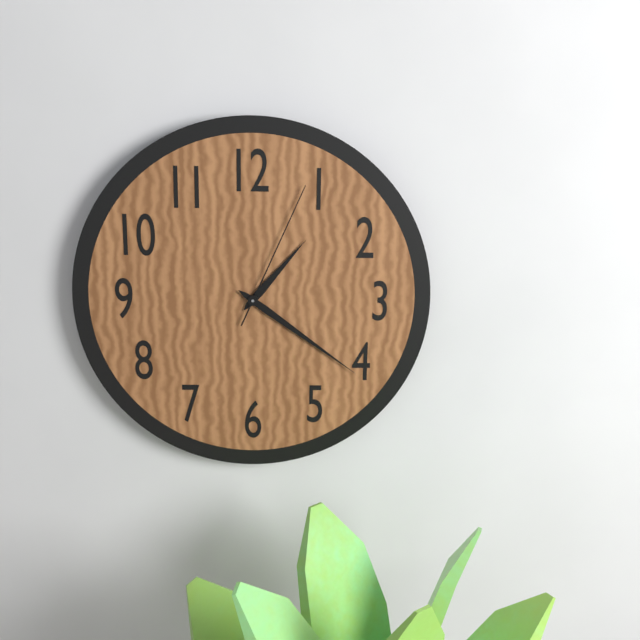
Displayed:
1,21,04
